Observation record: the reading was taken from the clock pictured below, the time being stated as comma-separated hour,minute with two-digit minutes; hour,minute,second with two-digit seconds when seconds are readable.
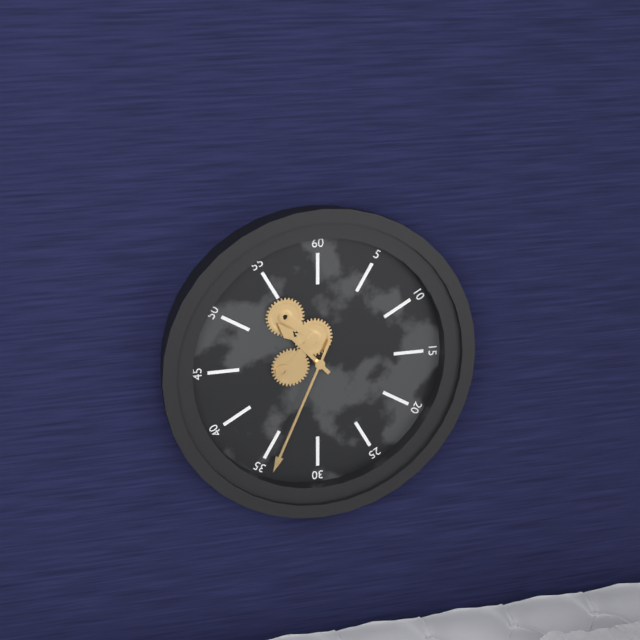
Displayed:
10,34
